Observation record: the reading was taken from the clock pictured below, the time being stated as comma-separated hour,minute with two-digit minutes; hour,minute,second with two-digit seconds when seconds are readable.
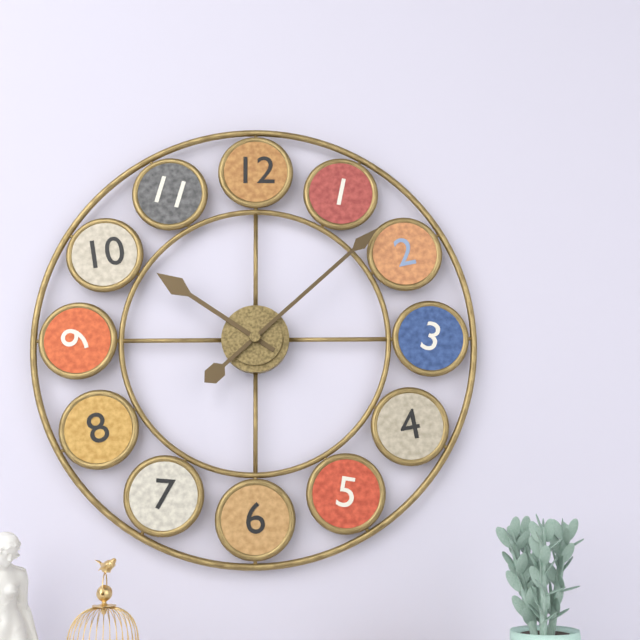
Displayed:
10,08
